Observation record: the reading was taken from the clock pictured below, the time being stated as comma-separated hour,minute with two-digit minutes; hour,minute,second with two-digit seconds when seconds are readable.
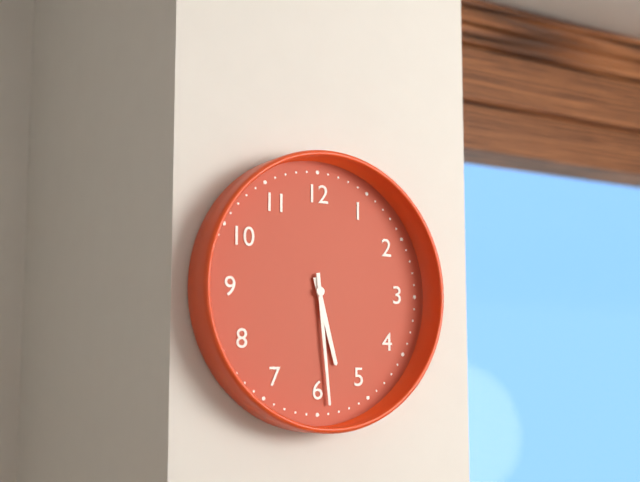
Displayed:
5,29
